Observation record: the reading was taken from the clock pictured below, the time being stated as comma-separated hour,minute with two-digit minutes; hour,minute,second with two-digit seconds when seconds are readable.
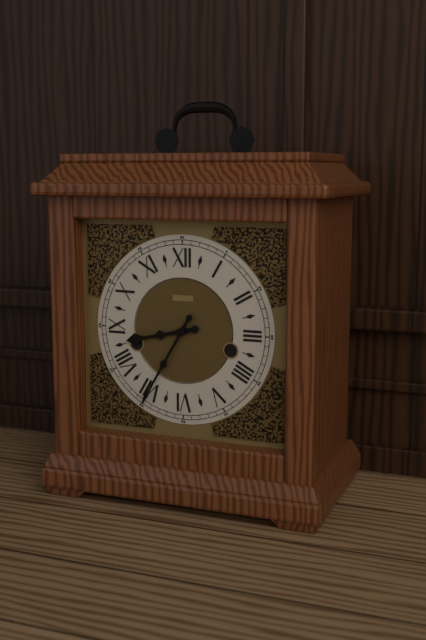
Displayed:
8,35
